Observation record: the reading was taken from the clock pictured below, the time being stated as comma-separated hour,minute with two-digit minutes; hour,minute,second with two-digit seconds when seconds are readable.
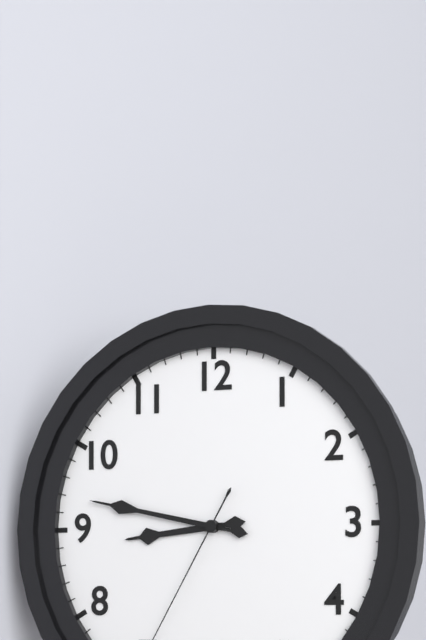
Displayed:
8,47
